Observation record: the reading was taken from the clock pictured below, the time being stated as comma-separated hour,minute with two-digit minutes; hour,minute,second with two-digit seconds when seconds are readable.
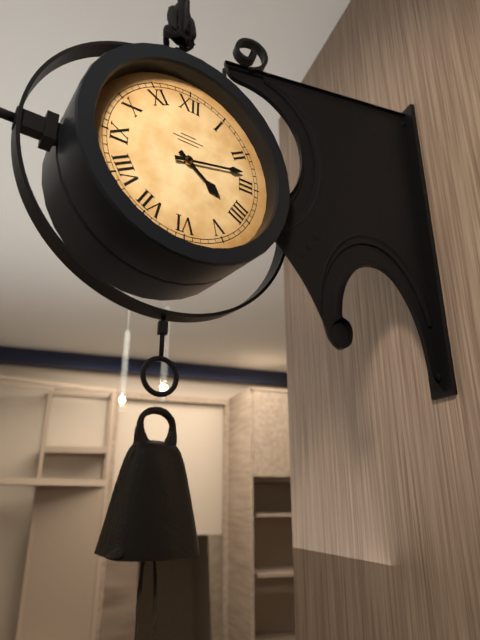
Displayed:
4,13
